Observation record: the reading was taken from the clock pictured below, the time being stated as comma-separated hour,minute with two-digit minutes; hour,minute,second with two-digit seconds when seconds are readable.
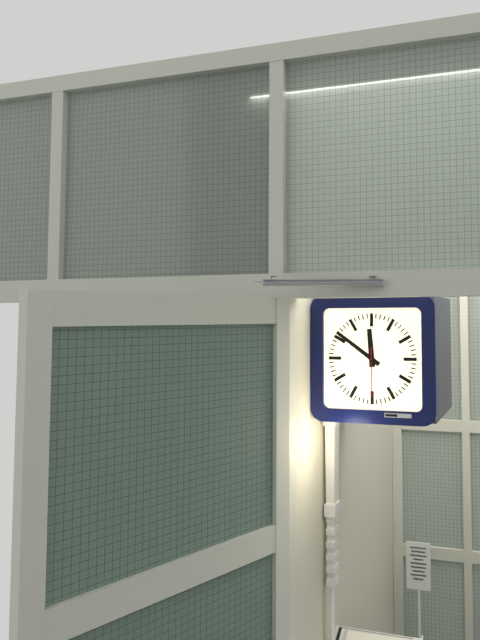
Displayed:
11,51
